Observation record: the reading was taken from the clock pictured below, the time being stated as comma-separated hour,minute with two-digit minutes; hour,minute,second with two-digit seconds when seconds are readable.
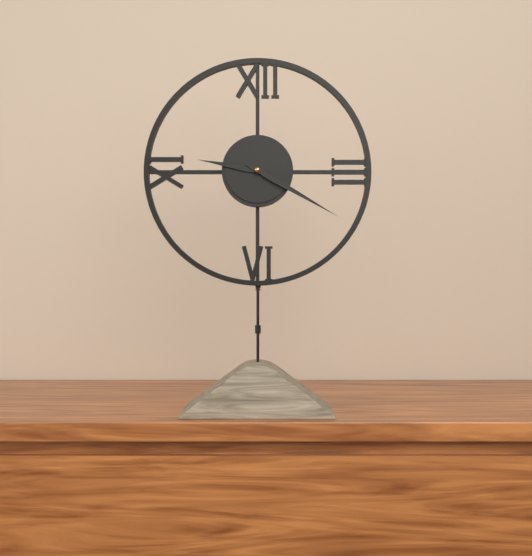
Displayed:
9,20
